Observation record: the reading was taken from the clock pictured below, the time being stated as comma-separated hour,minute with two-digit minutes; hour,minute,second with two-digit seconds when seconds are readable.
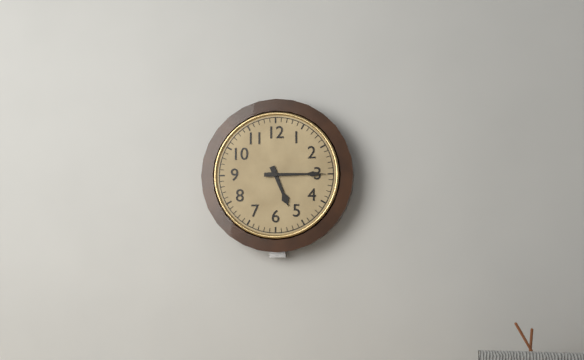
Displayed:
5,15
